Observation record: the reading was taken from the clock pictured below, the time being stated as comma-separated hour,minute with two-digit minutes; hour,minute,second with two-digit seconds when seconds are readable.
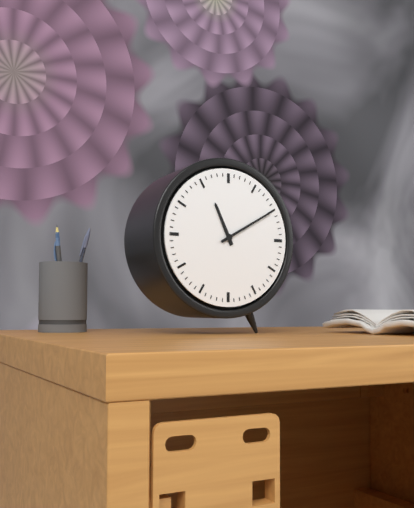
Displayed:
11,10
